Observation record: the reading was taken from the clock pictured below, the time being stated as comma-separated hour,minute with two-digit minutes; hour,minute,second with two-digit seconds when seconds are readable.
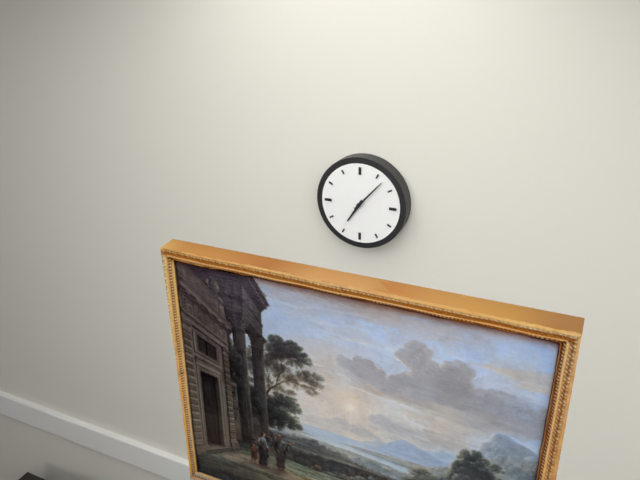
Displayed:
7,07
